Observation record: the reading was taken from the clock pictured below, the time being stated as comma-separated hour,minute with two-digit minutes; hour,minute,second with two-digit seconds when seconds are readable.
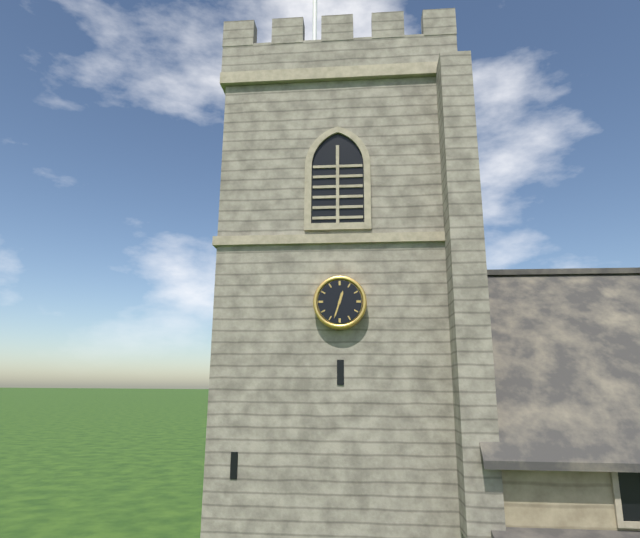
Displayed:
12,33
